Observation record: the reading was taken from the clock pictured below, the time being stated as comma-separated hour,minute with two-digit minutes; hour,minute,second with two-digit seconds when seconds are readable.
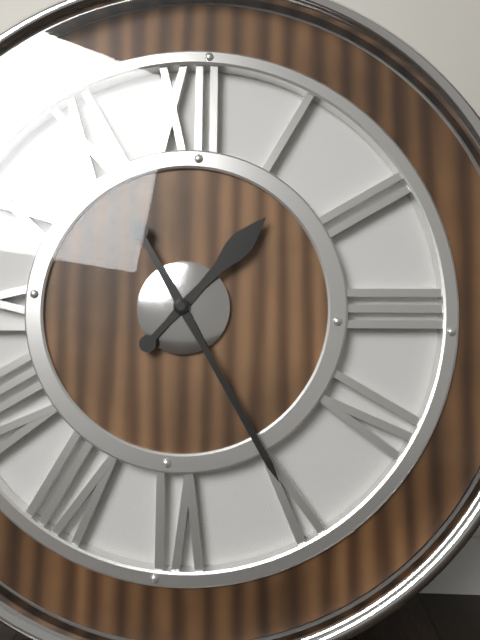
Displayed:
1,25
